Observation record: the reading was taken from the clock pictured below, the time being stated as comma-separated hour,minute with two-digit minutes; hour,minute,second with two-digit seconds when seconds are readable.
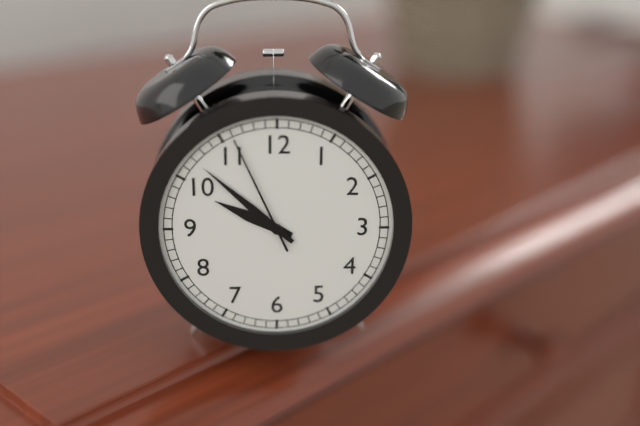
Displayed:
9,52,56
